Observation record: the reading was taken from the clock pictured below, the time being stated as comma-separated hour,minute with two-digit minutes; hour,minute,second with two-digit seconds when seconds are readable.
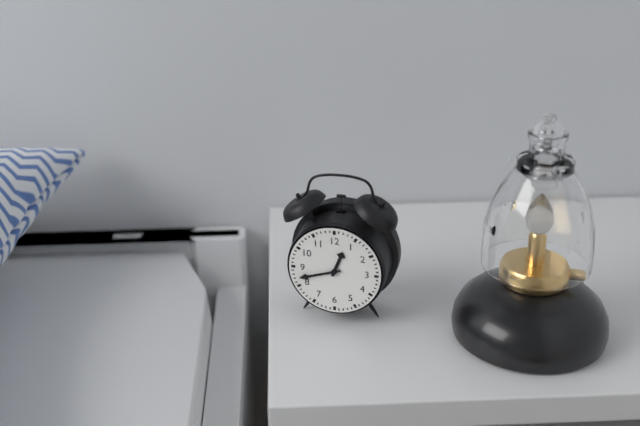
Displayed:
12,42
